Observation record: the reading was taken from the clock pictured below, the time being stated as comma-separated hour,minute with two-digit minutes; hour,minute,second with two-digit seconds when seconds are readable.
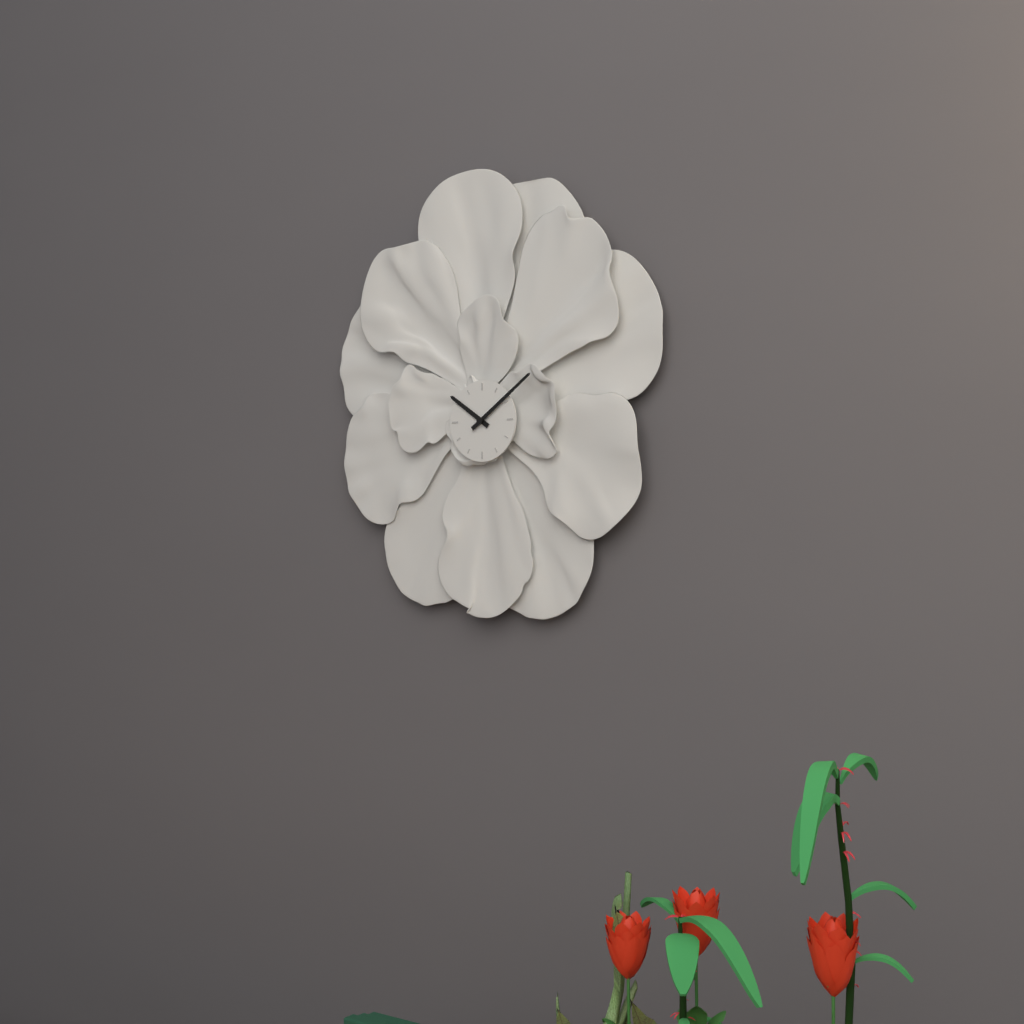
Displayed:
10,09
